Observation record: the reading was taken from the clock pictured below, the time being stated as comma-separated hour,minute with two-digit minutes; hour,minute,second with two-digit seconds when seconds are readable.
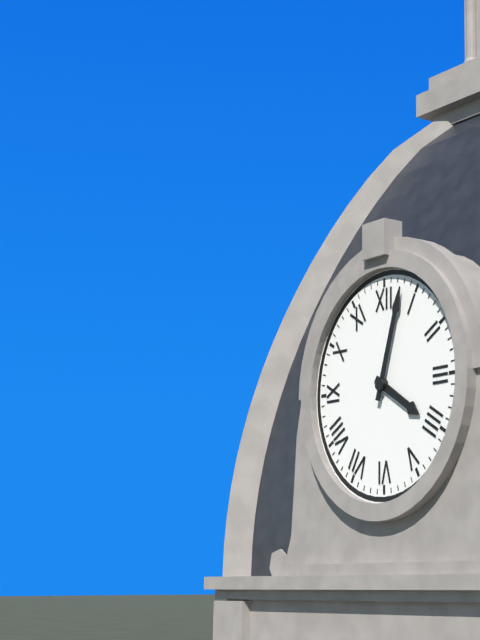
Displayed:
4,03
